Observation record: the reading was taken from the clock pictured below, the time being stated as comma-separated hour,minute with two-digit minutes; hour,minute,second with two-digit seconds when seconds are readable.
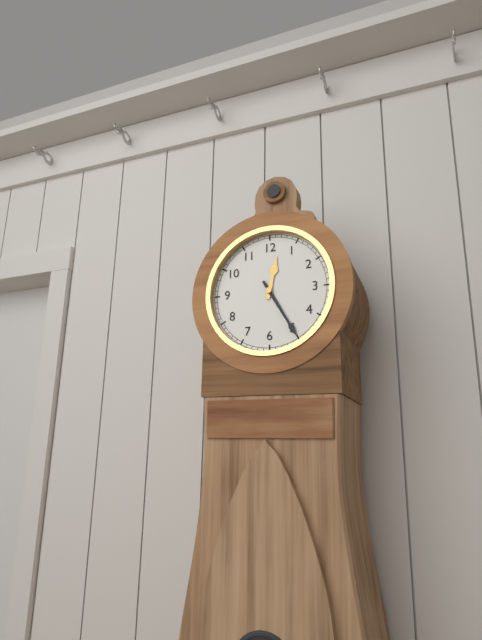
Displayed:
12,25
